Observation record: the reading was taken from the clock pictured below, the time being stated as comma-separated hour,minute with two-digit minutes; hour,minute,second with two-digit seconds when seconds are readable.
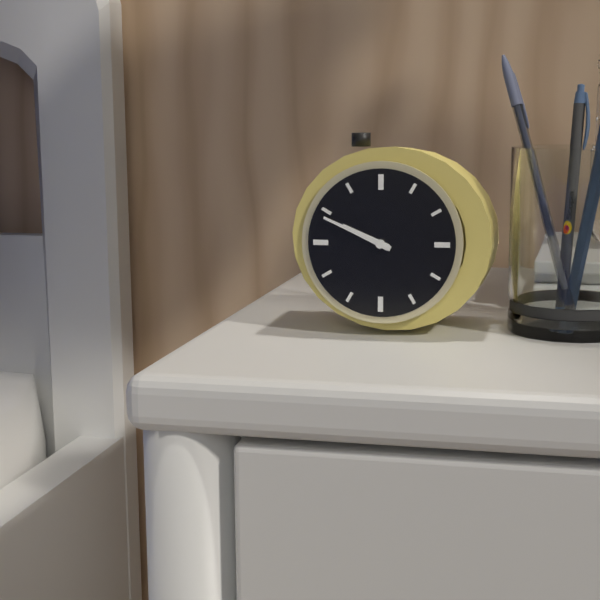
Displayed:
9,49
